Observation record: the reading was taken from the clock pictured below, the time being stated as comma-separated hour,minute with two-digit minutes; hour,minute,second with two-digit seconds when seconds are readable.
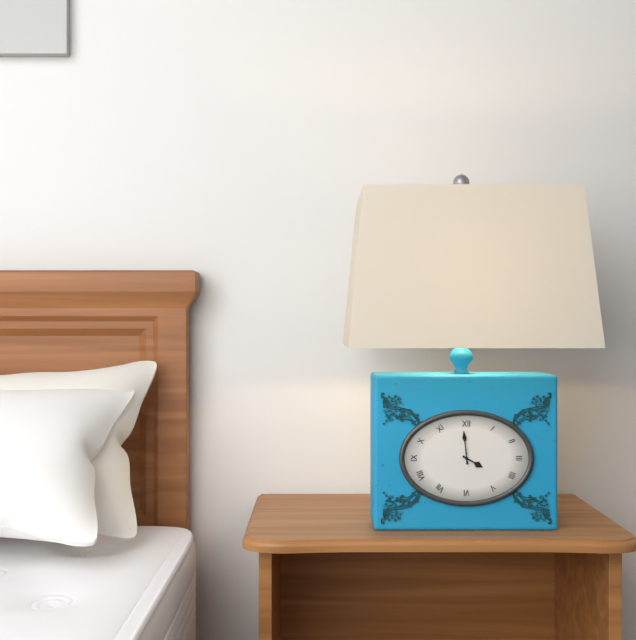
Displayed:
3,59
